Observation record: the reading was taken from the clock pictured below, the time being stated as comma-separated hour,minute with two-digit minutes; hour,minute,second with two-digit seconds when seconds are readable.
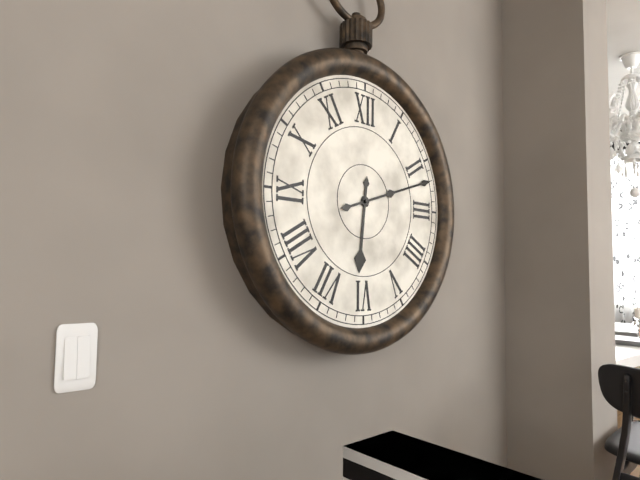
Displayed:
6,12
